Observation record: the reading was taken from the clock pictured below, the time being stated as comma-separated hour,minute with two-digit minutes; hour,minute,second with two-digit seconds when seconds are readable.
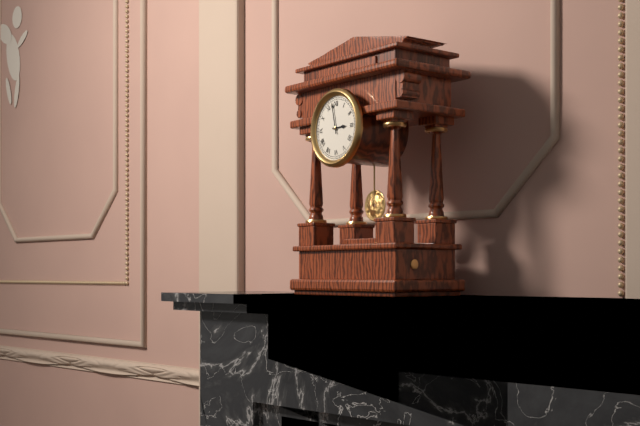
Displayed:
2,58
